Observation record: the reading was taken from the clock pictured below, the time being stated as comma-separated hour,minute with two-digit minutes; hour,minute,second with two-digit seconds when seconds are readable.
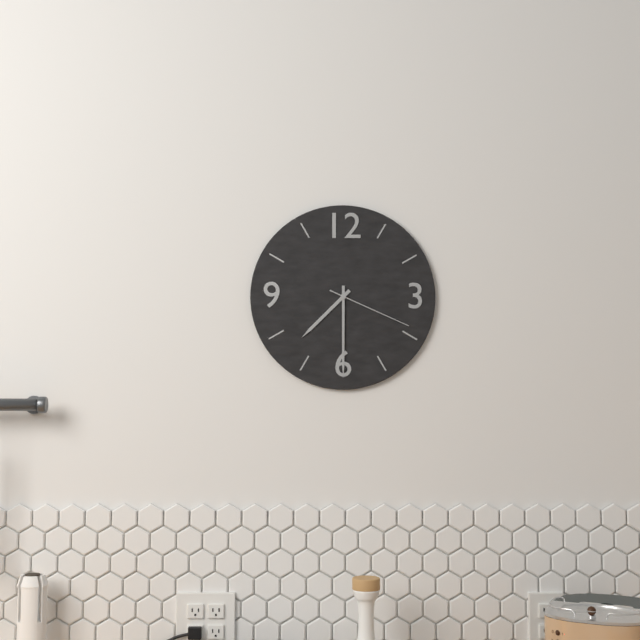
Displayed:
7,30,19
